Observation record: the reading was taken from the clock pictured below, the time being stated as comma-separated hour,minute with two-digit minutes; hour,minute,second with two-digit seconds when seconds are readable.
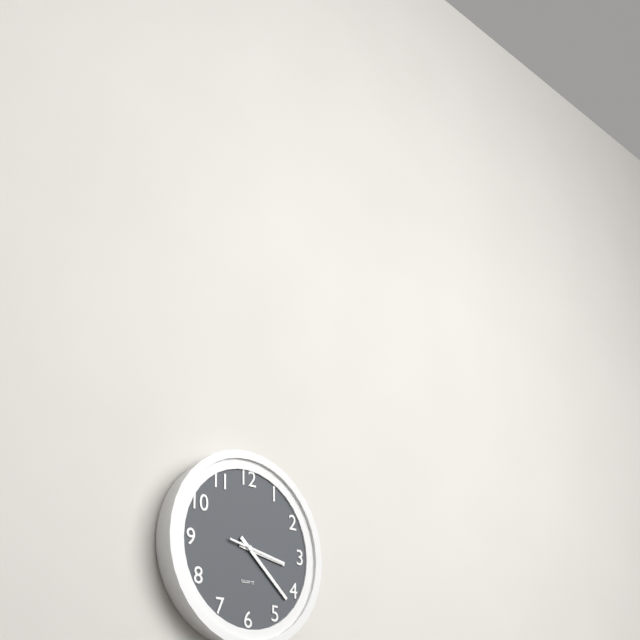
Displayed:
3,22
